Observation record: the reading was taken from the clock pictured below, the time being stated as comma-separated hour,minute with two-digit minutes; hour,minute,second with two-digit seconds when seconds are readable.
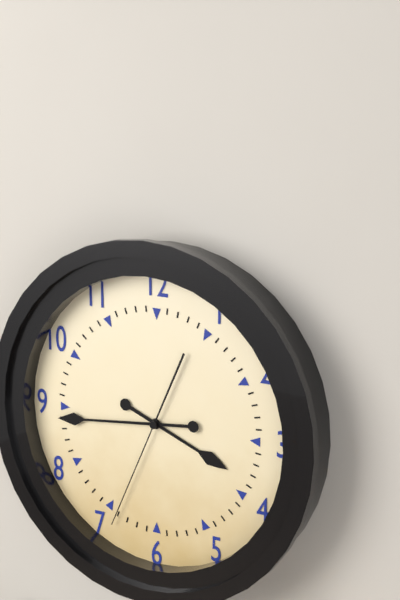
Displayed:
3,44,34
